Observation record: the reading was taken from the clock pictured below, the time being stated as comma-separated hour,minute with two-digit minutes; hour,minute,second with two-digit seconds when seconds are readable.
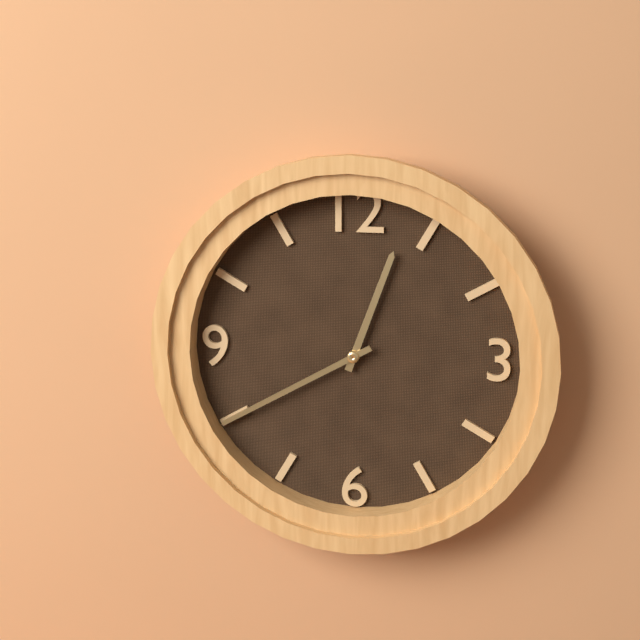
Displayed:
12,40
